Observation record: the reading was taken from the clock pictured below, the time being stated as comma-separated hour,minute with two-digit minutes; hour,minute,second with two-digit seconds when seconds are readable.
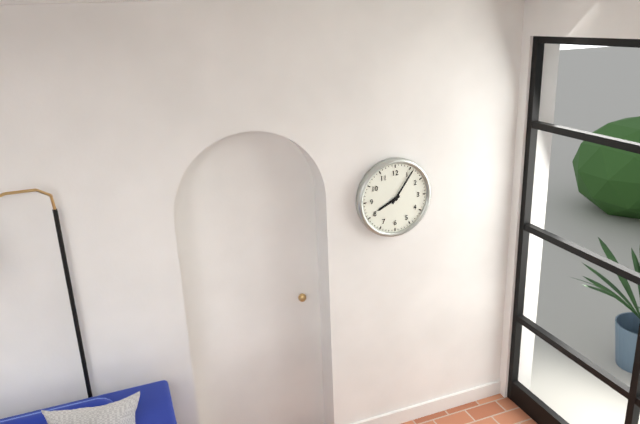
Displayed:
8,06
